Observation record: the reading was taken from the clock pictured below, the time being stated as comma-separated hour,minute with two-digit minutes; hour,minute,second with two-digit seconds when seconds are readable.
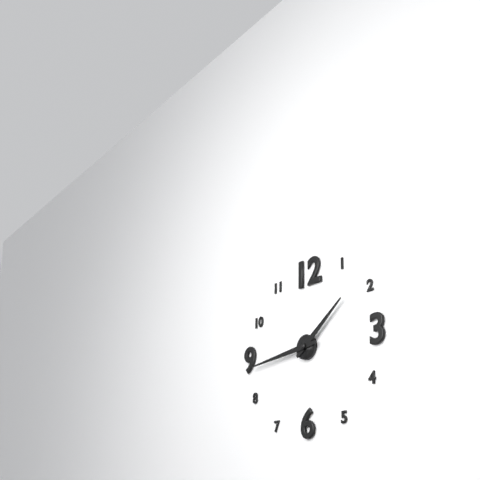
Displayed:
1,44
